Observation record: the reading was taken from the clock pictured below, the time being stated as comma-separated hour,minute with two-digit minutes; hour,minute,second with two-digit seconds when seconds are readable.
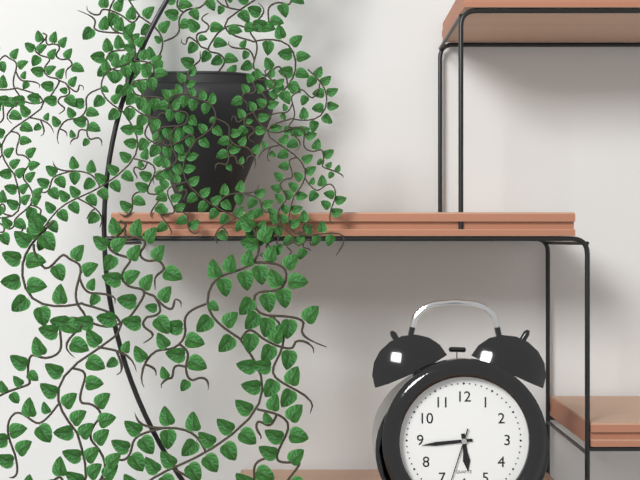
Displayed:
5,44
